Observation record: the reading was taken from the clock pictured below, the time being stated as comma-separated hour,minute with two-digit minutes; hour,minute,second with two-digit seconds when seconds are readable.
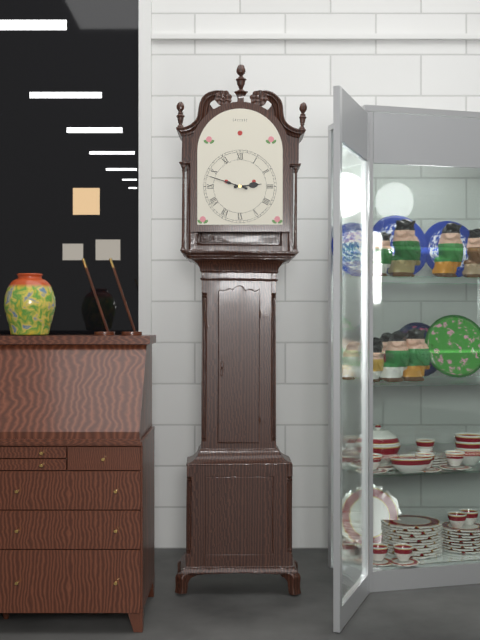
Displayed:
2,48
